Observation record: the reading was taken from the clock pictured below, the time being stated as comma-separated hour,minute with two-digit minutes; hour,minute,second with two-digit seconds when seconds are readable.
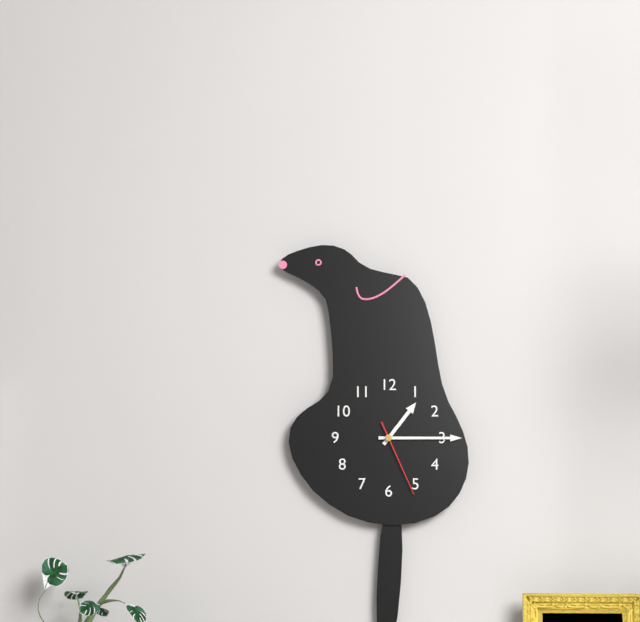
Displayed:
1,15,26
